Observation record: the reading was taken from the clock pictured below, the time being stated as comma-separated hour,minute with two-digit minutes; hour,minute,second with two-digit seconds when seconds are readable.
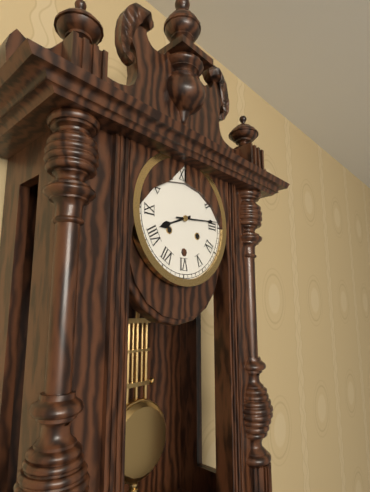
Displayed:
8,14
